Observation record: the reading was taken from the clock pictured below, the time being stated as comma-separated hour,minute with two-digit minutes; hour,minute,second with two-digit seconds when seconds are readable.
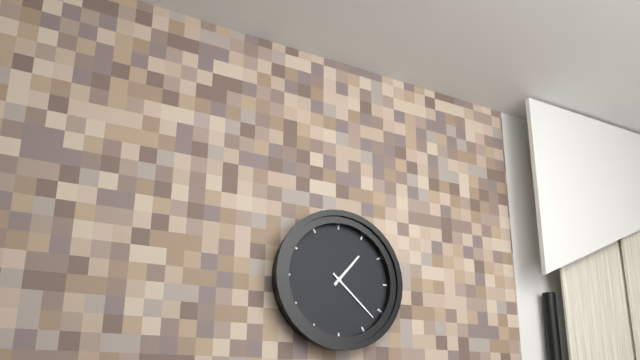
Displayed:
1,22
